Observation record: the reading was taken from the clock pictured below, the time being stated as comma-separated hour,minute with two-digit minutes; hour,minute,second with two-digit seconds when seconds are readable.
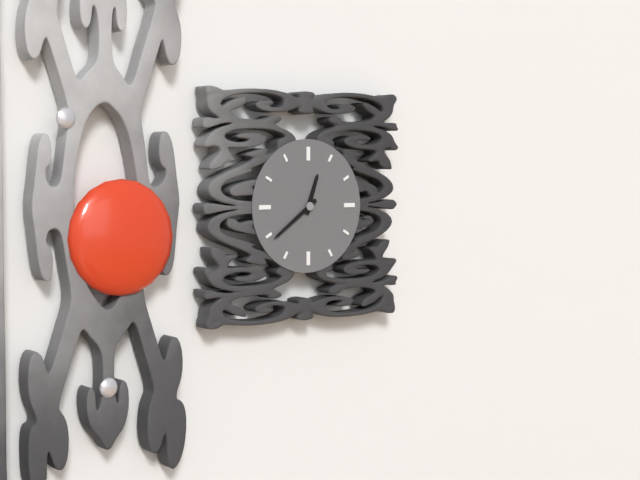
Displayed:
12,39
